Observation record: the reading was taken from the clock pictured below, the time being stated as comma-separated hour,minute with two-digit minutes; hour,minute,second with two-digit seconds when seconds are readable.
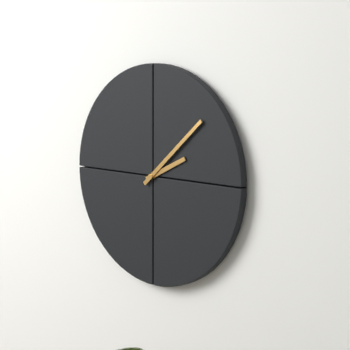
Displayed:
2,08
